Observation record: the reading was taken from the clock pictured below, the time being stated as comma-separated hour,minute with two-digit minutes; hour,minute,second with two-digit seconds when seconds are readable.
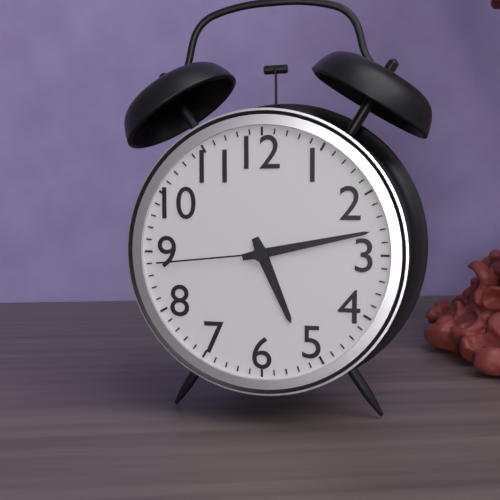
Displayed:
5,13,44
